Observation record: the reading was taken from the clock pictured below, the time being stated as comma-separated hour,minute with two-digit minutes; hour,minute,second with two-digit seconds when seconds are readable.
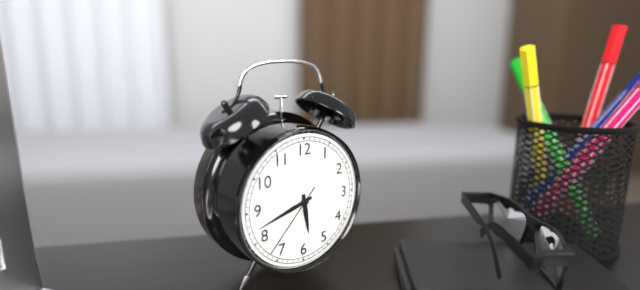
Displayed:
5,42,37
